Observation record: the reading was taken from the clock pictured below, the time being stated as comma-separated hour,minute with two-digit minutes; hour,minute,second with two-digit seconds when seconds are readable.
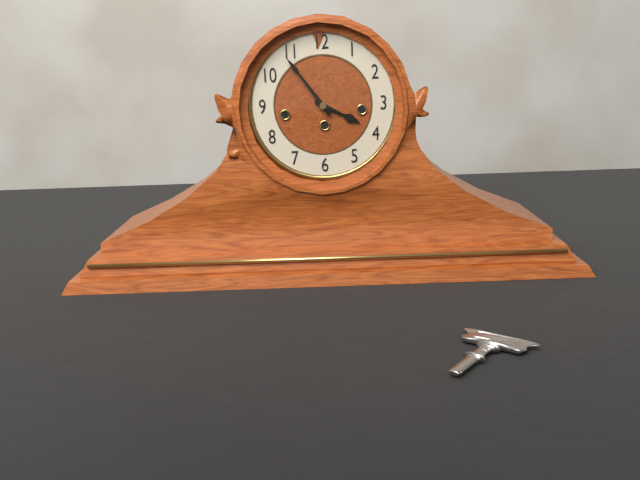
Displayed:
3,54
